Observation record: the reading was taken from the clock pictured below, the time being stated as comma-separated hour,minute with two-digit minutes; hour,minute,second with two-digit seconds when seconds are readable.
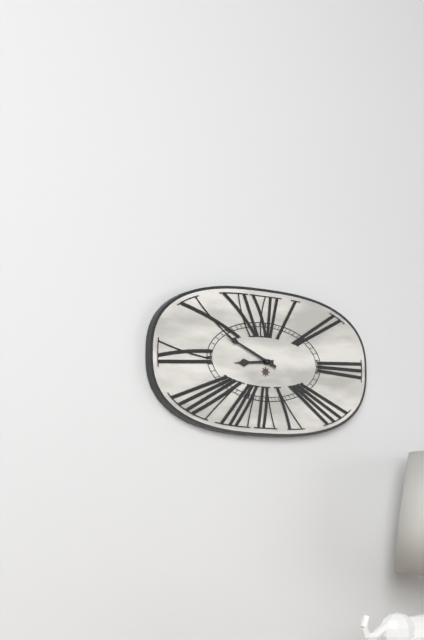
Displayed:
8,49
